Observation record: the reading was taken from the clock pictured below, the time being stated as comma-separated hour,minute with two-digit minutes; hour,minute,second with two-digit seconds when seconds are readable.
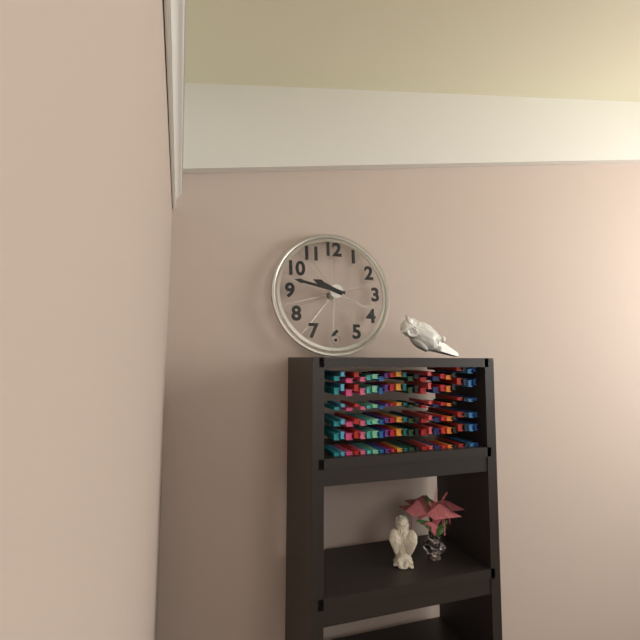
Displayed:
9,47
